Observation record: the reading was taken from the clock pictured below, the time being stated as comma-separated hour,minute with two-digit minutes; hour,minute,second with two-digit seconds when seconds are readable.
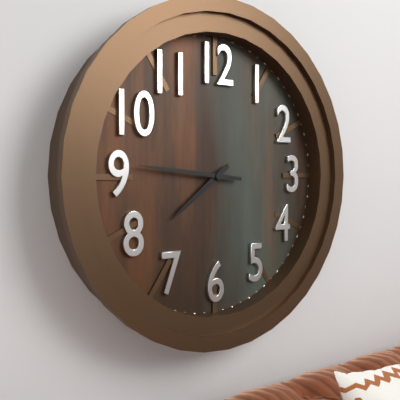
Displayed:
7,46
